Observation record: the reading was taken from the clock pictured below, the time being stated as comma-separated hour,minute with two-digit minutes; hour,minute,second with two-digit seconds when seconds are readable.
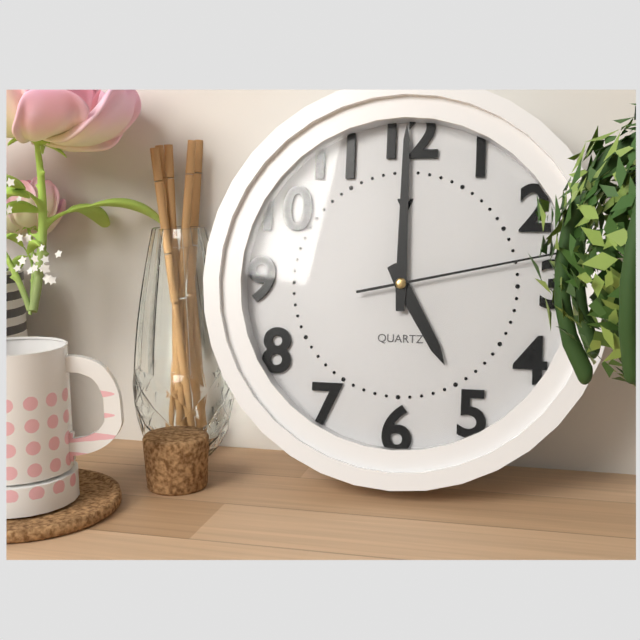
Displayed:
5,00,13
